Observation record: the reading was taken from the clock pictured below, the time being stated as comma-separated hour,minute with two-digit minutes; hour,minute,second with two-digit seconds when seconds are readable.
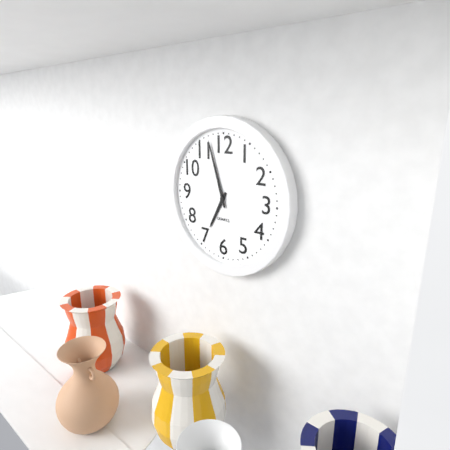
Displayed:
6,57
